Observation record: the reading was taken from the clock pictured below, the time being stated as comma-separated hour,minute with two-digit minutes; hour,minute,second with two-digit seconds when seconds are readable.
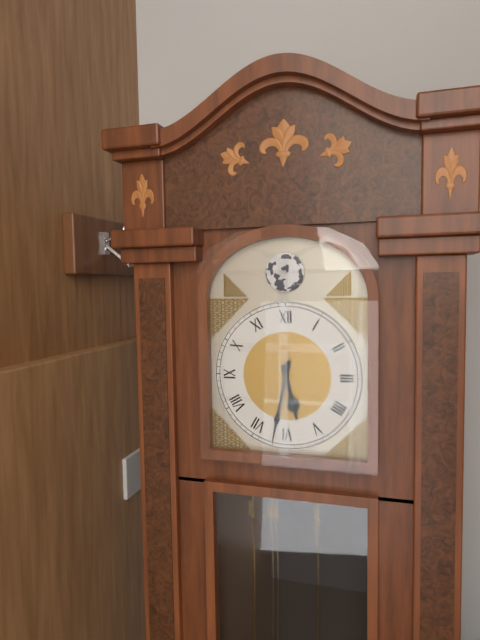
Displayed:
5,32
